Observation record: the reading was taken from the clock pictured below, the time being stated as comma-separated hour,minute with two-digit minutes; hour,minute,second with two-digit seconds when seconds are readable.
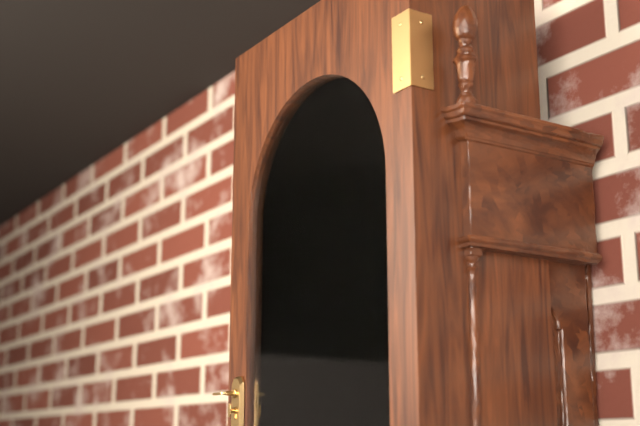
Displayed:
6,04
